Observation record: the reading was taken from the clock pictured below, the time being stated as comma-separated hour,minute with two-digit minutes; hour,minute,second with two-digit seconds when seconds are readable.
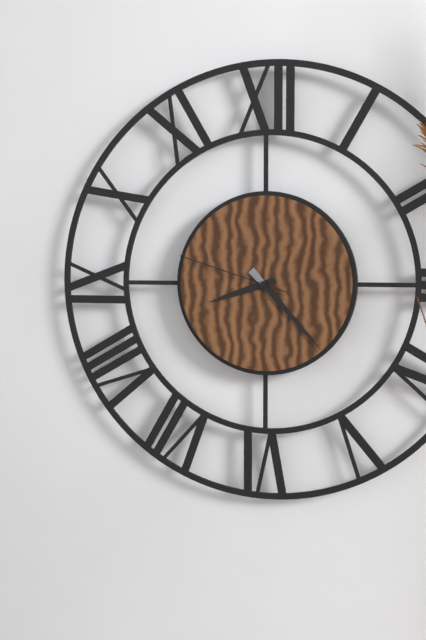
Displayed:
8,23,48
